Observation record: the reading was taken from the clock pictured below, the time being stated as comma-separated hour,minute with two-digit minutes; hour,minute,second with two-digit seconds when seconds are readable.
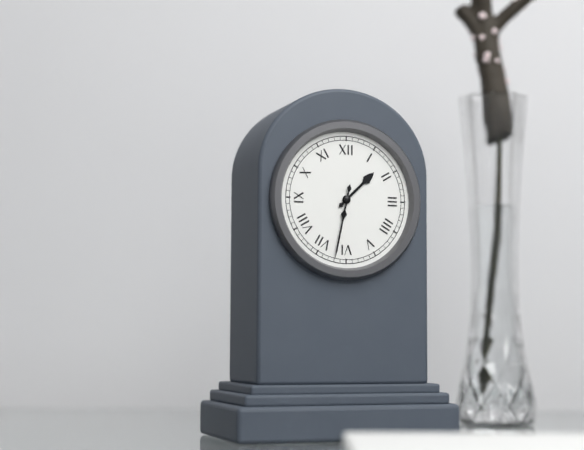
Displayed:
1,32
